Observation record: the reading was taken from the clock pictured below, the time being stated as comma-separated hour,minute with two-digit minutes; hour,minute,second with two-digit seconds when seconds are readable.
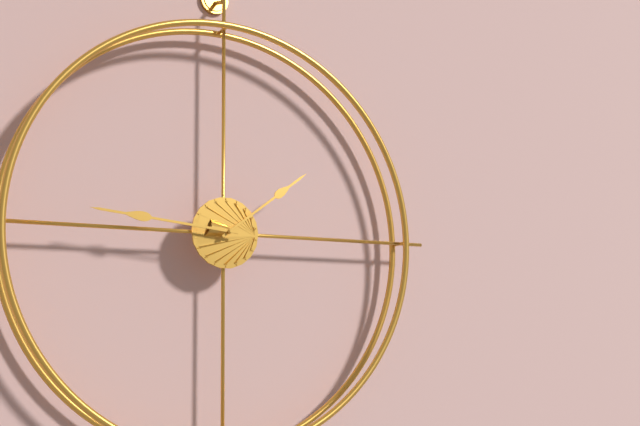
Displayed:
1,46
